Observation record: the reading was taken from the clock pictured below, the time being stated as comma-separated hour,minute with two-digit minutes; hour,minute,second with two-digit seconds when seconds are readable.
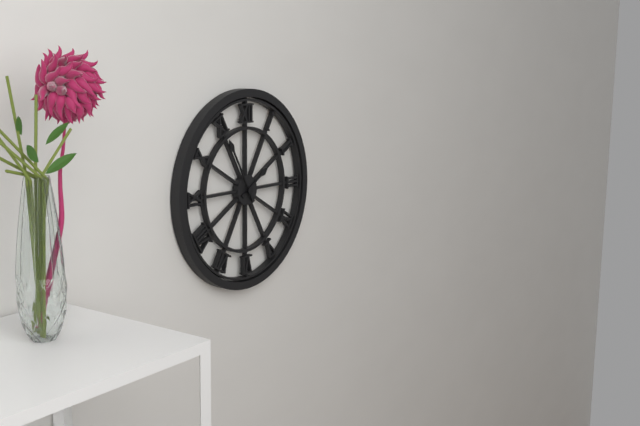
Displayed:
1,55
